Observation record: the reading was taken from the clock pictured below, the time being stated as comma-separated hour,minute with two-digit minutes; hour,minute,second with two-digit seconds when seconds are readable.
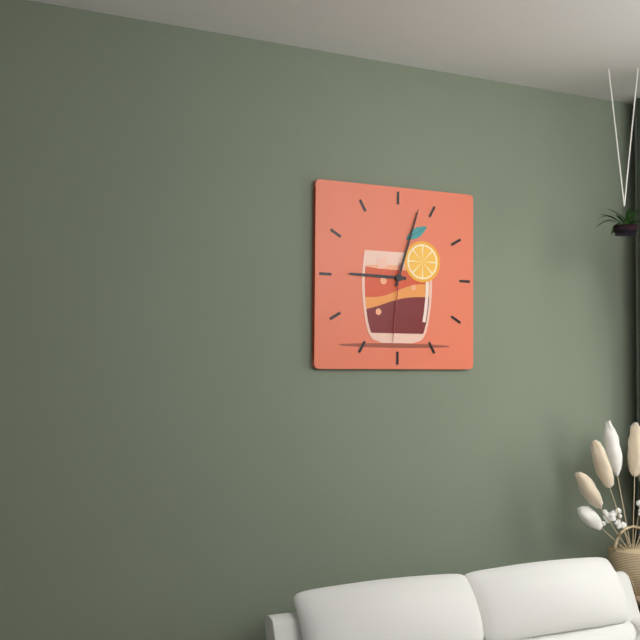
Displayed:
9,03,31
